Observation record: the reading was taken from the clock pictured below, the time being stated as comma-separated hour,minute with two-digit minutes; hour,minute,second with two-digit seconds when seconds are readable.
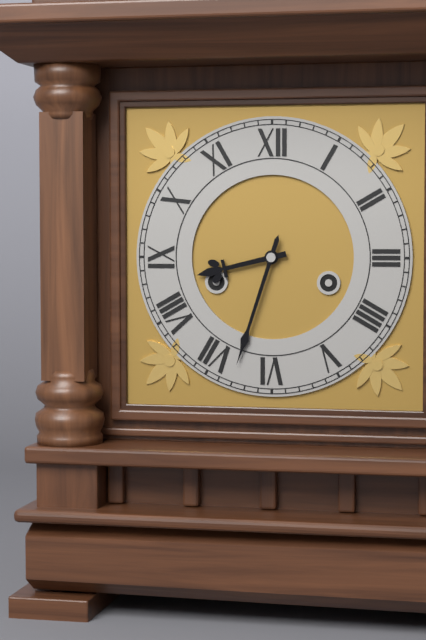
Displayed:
8,33
